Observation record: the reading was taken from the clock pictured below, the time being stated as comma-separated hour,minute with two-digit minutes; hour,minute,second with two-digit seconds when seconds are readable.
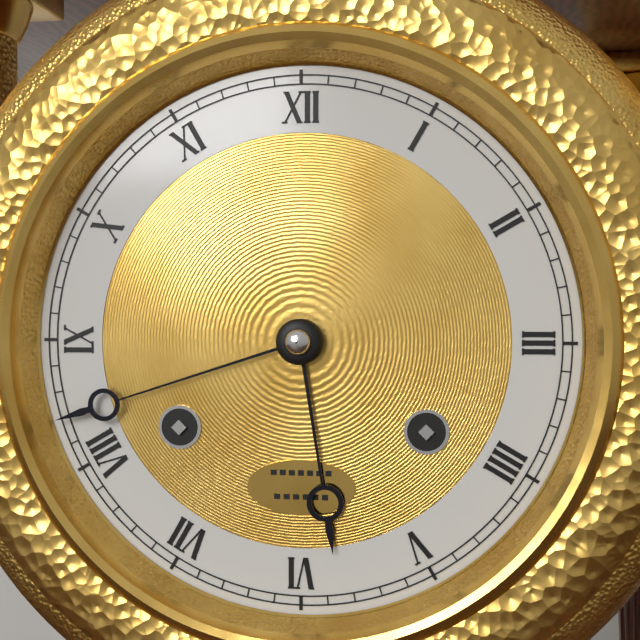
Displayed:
5,42
